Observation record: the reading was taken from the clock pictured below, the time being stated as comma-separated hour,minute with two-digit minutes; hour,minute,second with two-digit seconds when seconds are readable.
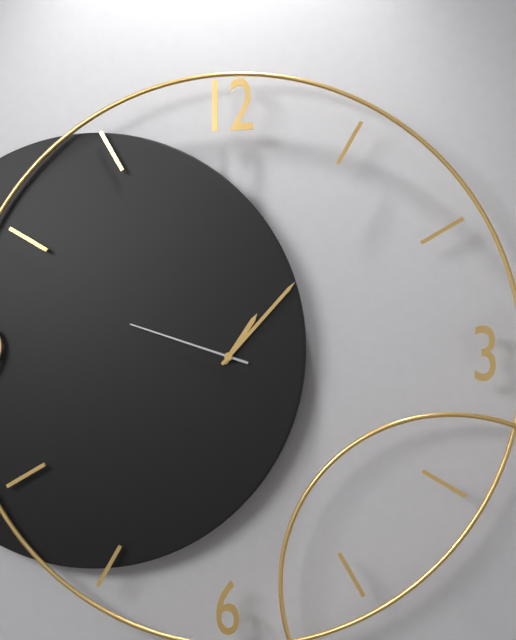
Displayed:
1,07,48
